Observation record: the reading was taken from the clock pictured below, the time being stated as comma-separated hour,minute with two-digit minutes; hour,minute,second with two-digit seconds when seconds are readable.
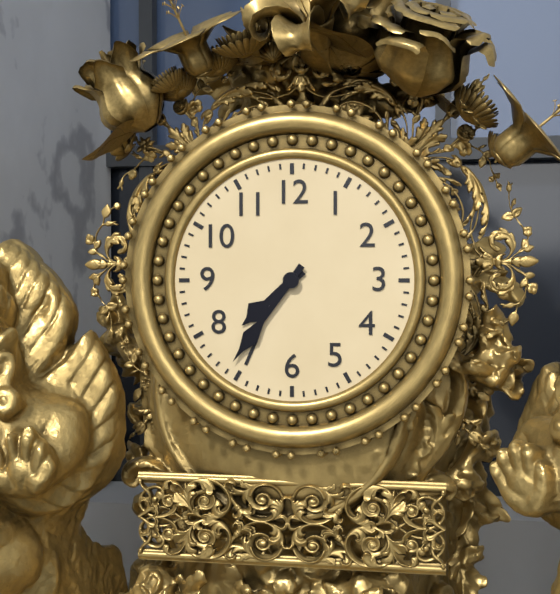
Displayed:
7,36
